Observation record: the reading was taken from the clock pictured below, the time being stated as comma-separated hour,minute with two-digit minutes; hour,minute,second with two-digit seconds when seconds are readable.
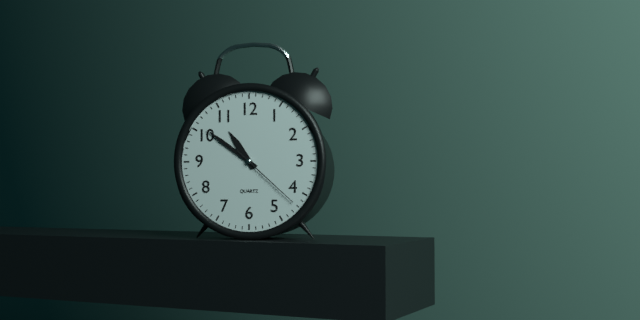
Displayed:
10,51,22
